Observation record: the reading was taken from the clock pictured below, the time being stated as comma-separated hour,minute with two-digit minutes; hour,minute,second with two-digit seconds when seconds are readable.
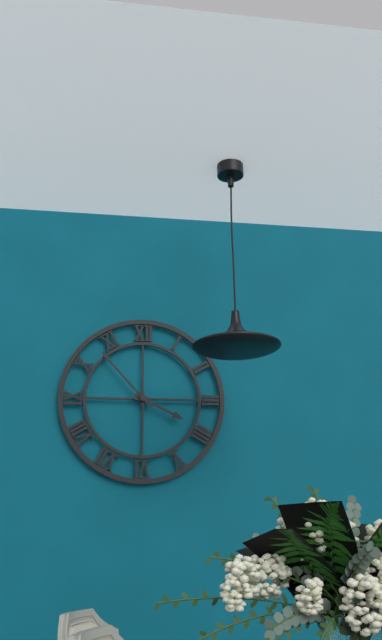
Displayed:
3,53
